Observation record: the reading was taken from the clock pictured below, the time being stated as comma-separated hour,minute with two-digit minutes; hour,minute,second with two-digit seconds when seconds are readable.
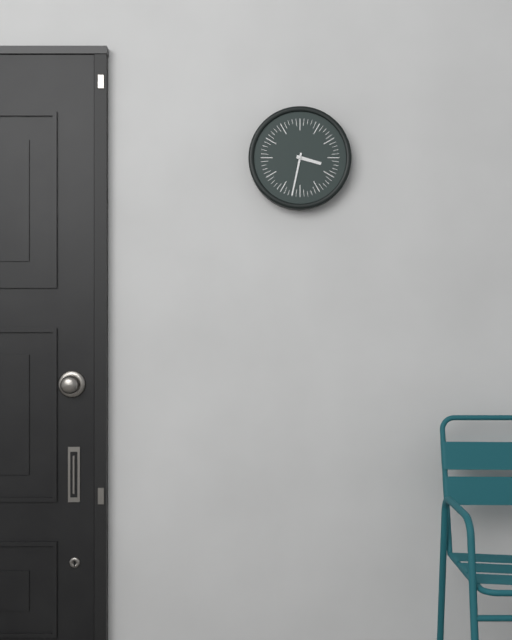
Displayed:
3,32
